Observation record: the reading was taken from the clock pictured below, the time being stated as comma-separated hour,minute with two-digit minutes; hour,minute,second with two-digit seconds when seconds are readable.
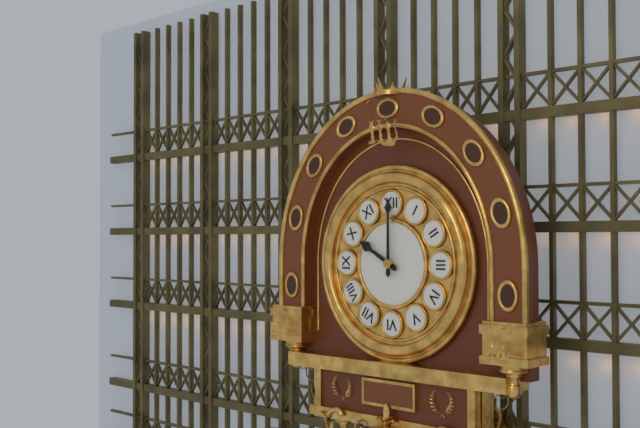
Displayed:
10,00
